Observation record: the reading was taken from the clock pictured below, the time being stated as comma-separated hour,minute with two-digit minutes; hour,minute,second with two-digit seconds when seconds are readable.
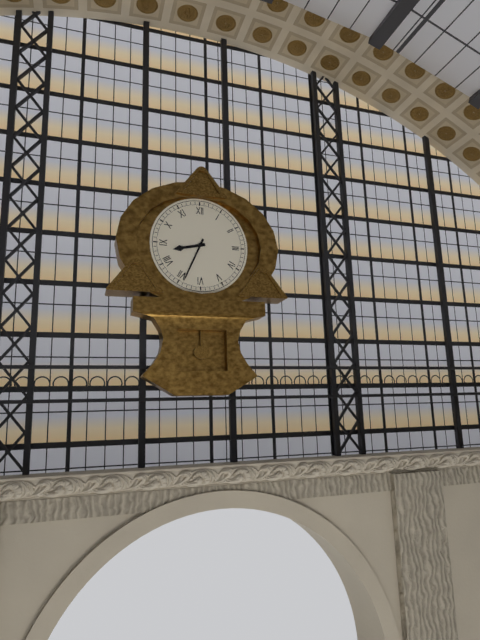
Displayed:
8,34
